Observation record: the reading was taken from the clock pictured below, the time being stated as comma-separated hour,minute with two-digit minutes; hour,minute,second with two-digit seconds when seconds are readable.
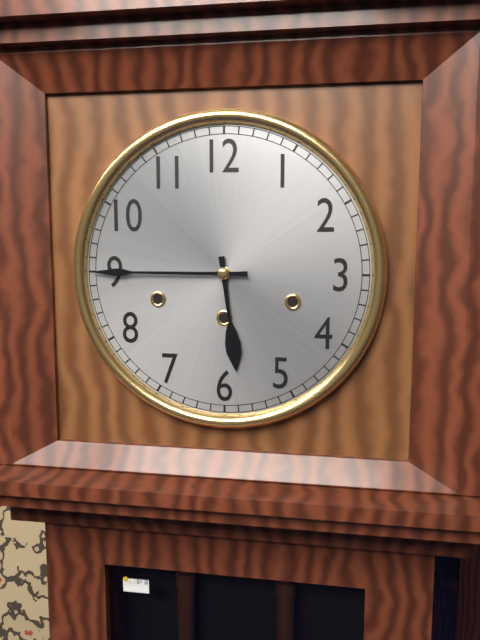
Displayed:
5,45
